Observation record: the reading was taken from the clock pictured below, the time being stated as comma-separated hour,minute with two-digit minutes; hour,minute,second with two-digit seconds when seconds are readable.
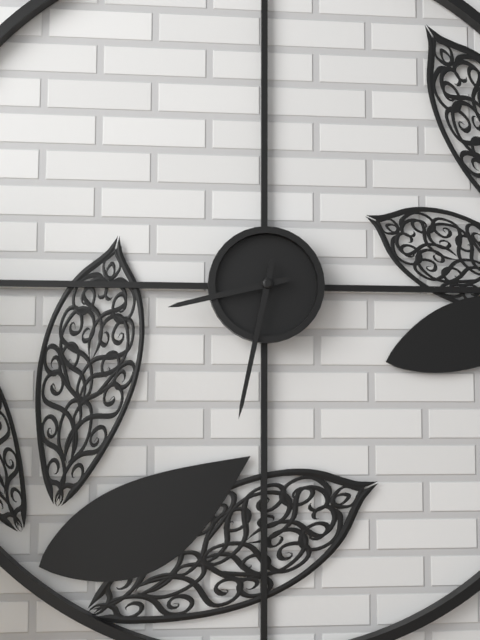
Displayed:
8,32
